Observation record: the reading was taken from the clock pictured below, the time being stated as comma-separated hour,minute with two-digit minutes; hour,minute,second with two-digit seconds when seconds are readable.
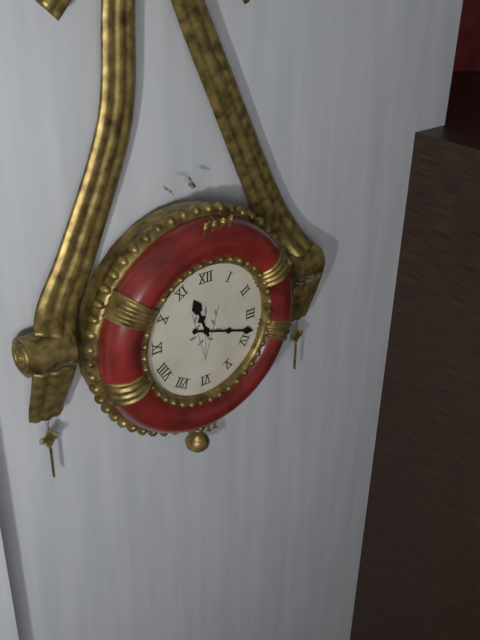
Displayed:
11,18
